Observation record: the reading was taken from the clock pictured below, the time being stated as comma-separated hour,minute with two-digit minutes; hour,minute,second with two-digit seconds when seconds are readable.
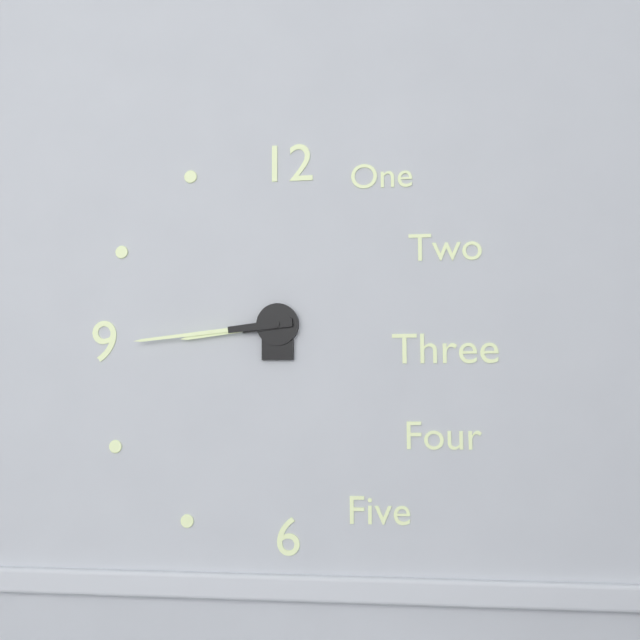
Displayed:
8,44
